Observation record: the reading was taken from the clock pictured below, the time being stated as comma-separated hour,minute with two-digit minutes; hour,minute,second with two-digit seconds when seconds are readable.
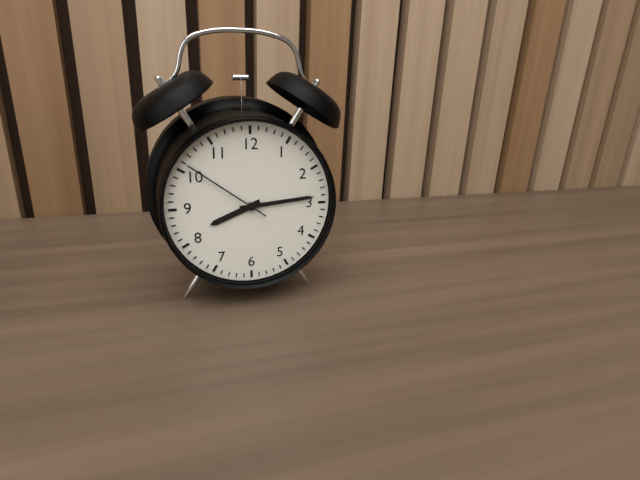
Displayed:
8,14,51
